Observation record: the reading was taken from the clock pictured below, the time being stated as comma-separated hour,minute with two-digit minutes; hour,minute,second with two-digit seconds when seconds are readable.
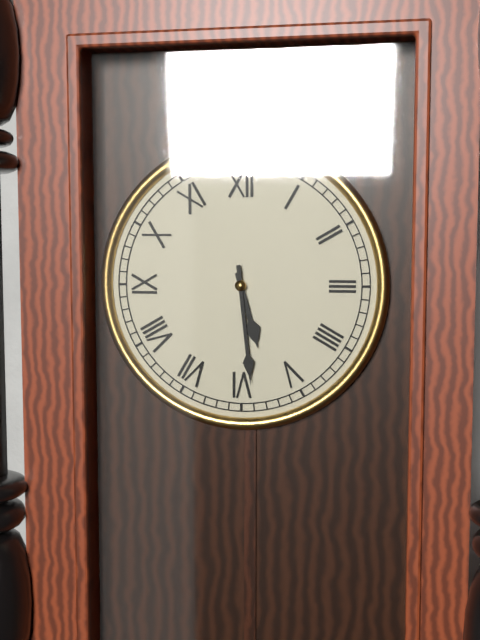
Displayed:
5,29
